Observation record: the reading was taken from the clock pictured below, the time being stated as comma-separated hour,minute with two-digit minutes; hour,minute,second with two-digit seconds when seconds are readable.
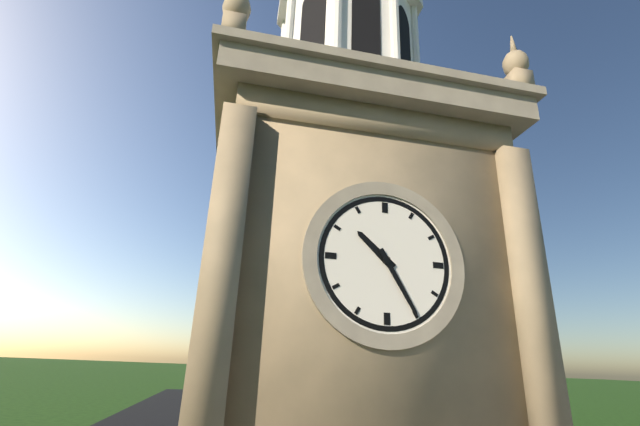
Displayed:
10,25
